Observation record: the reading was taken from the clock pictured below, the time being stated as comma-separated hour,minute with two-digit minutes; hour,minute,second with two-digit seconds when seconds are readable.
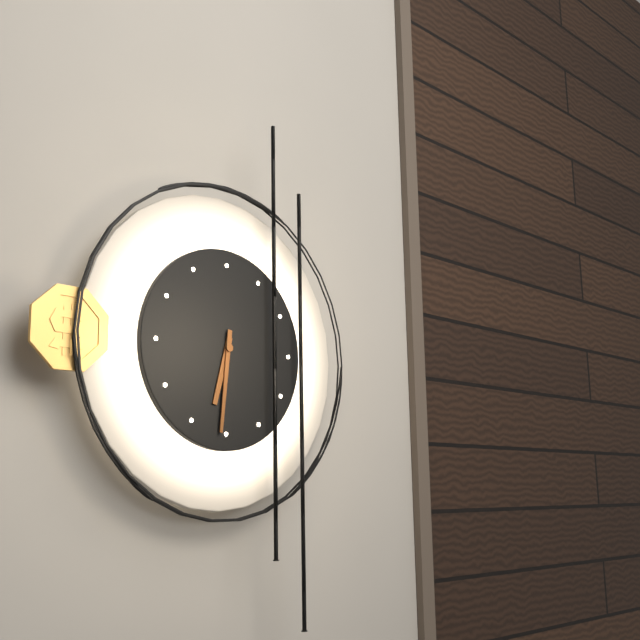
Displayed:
6,31
